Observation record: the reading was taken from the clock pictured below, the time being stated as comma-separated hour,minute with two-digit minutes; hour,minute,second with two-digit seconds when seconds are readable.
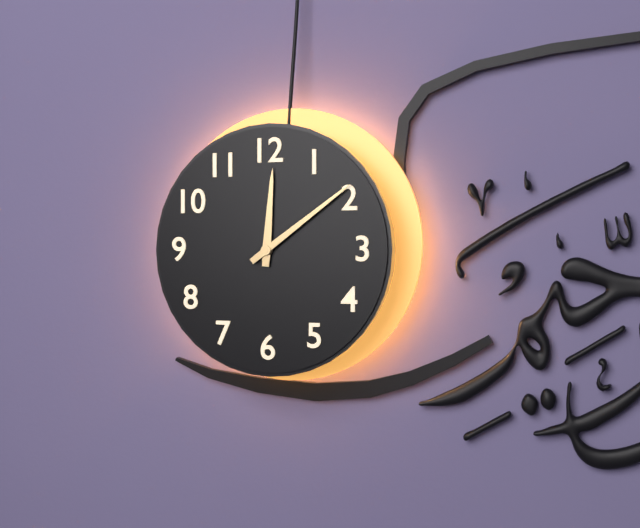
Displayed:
12,09
